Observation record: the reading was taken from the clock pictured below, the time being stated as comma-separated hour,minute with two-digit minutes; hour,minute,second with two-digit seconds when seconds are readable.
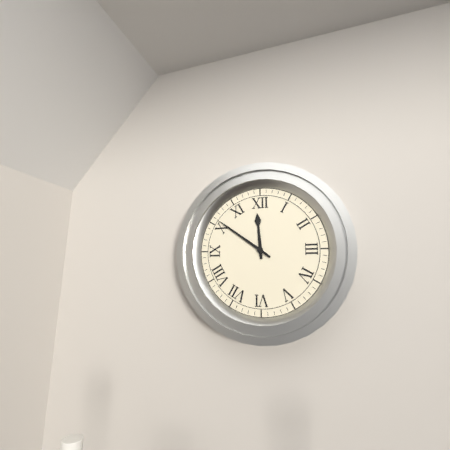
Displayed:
11,51
